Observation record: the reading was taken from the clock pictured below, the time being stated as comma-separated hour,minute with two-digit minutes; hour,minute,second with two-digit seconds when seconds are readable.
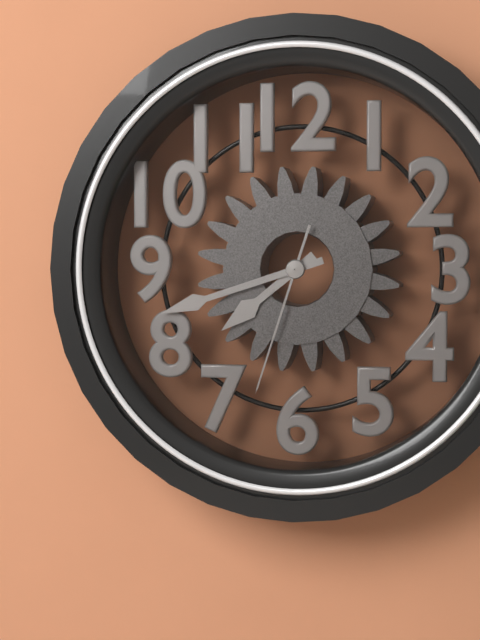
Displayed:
7,42,33
